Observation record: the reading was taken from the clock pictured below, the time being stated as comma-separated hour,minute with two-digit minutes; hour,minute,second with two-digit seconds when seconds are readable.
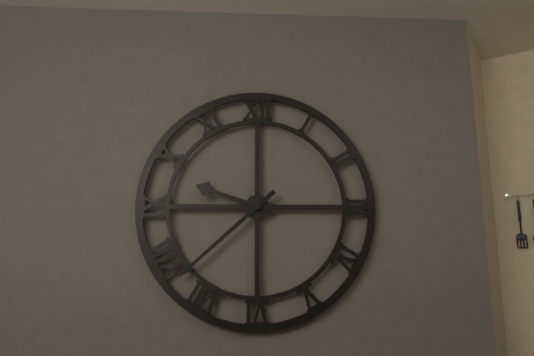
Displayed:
9,38
